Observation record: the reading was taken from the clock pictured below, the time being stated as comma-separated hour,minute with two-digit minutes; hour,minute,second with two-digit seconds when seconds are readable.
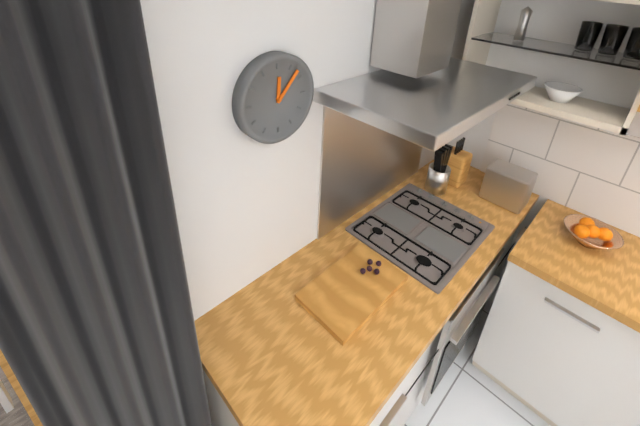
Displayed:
12,07
